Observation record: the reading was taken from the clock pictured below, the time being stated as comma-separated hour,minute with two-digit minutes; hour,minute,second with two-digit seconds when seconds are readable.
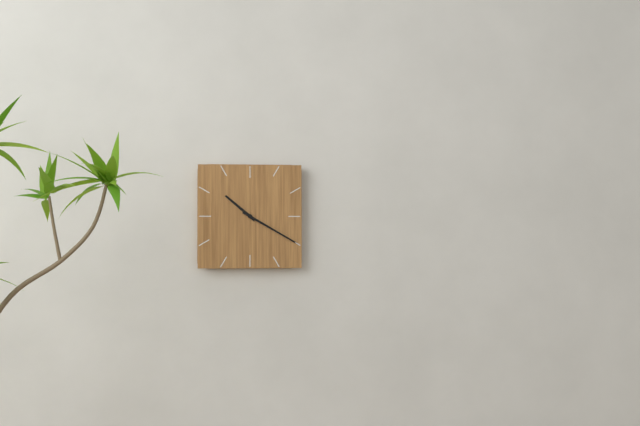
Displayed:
10,20
